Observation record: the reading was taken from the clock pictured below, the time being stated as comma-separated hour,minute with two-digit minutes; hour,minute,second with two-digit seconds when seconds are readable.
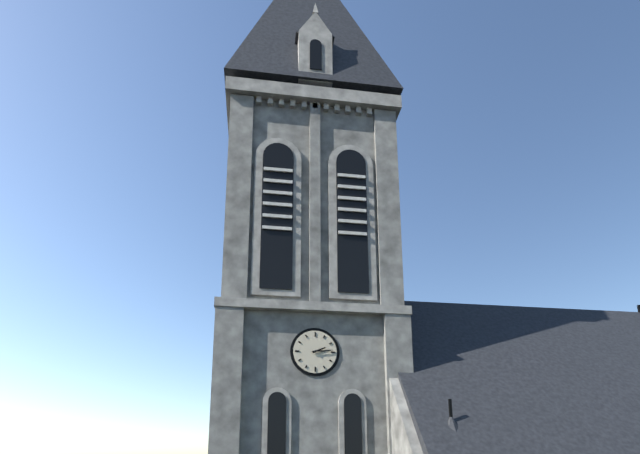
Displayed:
2,14
